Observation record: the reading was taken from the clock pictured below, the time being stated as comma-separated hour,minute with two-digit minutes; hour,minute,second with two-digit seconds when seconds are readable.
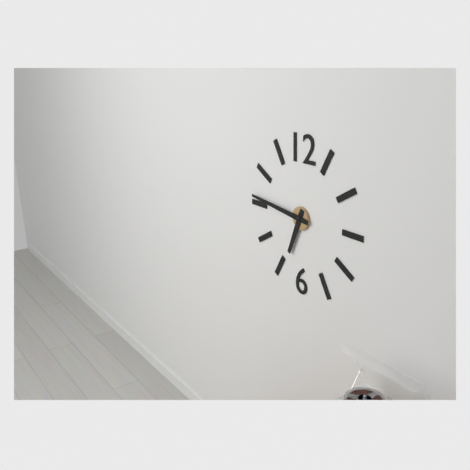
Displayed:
6,46
